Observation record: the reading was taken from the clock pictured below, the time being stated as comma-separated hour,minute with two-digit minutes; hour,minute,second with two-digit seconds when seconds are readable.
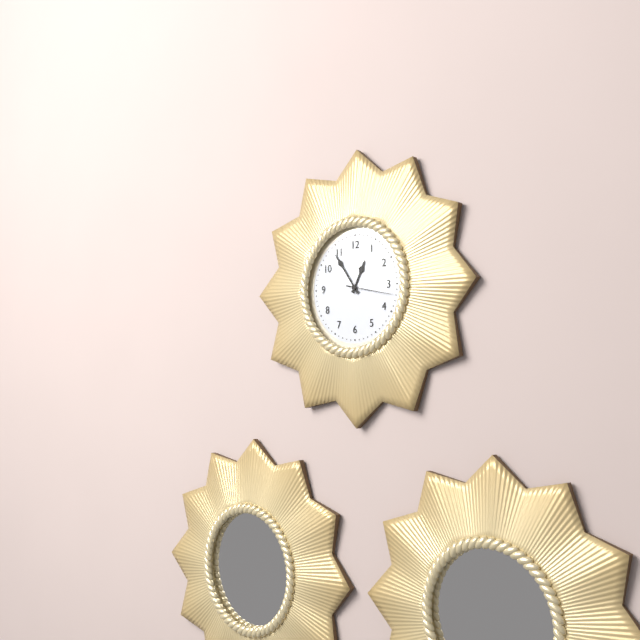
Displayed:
12,54
